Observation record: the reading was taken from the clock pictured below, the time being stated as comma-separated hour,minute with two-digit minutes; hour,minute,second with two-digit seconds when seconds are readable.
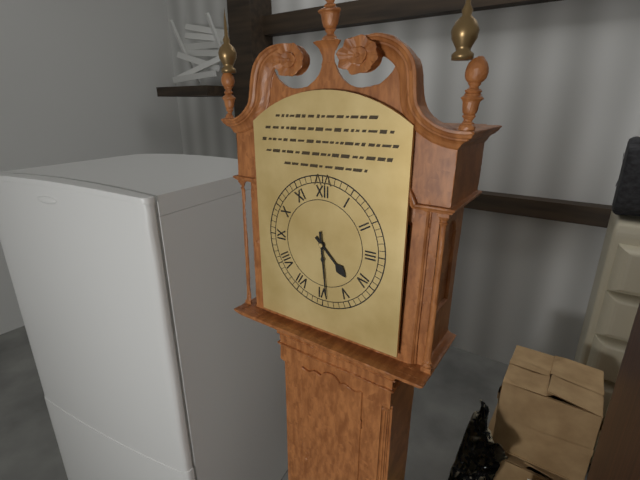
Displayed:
4,29
